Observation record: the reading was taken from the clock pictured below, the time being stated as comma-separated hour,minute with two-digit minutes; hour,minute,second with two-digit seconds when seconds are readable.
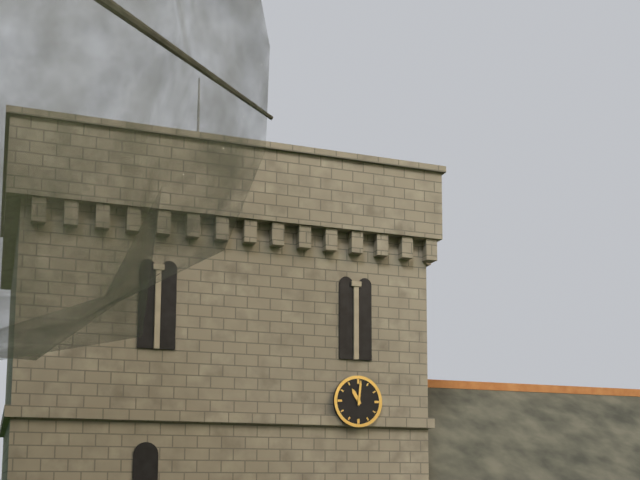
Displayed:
11,01
